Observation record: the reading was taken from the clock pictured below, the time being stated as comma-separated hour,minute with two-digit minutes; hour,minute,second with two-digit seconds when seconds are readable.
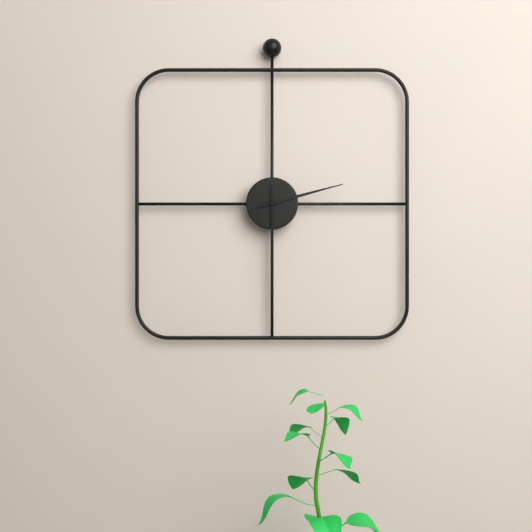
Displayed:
2,30
